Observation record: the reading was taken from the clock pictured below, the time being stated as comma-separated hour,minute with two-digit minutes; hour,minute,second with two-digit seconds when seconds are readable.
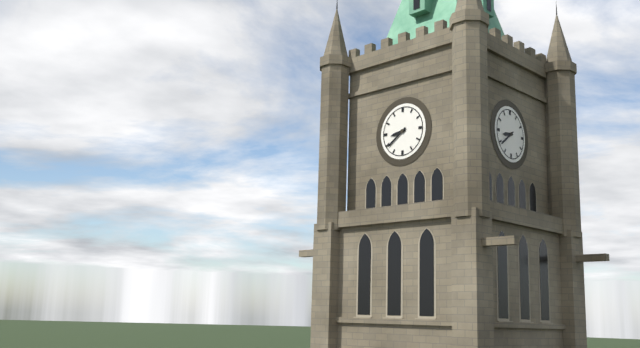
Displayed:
8,39
